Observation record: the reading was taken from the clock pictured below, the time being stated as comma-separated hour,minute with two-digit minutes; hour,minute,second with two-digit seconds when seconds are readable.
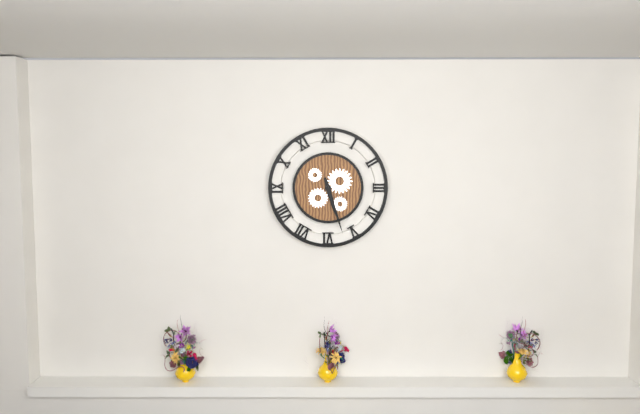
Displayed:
5,27
